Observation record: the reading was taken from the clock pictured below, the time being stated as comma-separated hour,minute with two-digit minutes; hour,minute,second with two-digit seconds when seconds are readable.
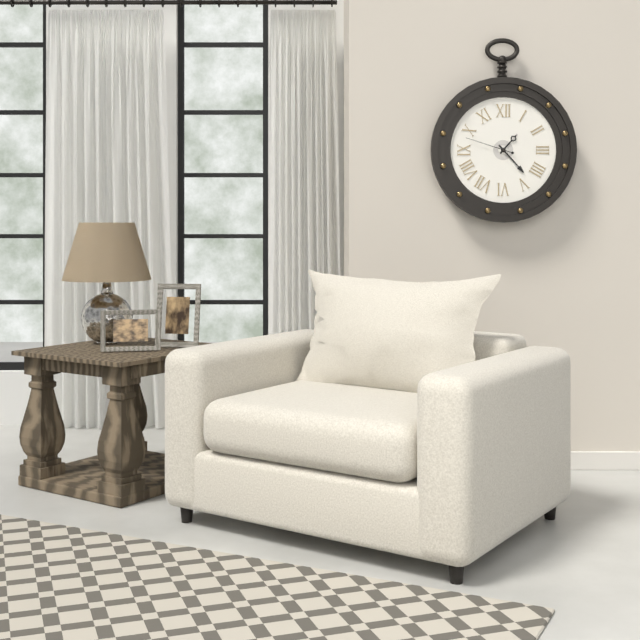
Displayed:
1,23
